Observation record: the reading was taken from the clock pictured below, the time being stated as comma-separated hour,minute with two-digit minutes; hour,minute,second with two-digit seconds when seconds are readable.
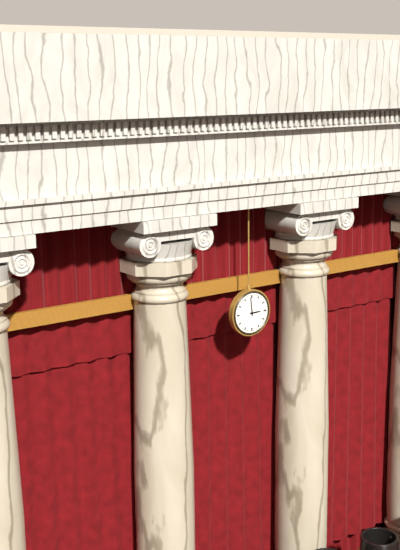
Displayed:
2,59
